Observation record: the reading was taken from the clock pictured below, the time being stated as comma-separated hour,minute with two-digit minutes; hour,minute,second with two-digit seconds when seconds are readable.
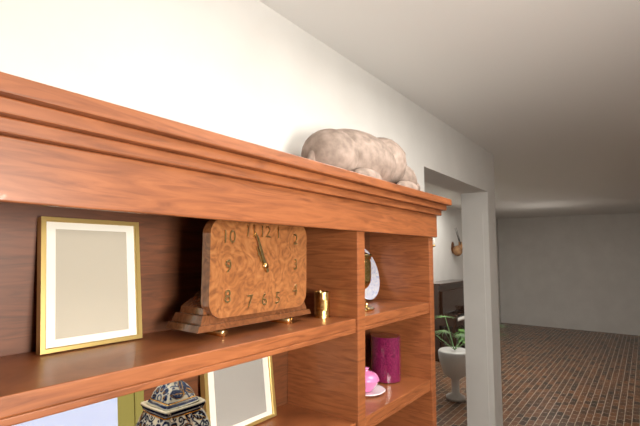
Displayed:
10,56
